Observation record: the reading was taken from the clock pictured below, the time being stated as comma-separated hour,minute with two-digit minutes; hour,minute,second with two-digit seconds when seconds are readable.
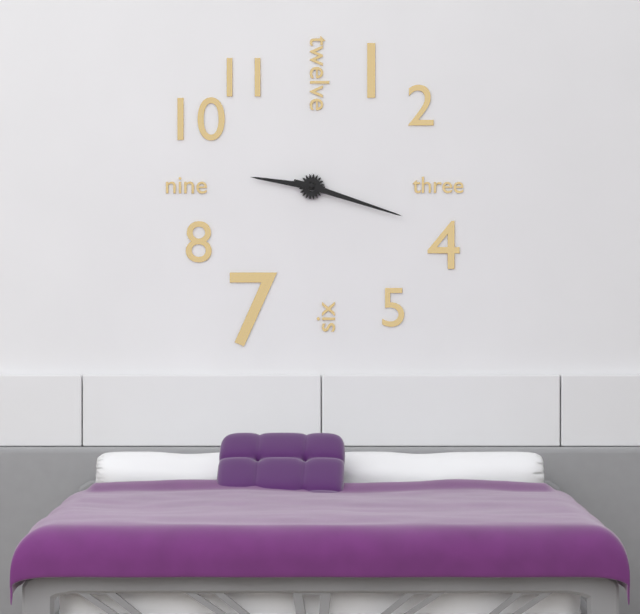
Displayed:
9,18
